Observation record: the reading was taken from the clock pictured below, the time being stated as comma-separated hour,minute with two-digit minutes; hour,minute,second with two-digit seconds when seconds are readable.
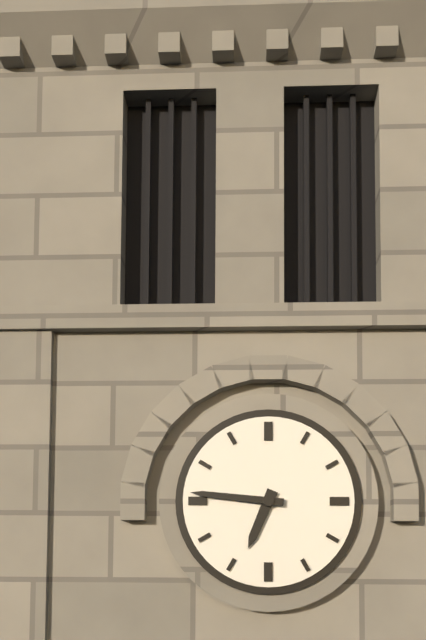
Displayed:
6,46
